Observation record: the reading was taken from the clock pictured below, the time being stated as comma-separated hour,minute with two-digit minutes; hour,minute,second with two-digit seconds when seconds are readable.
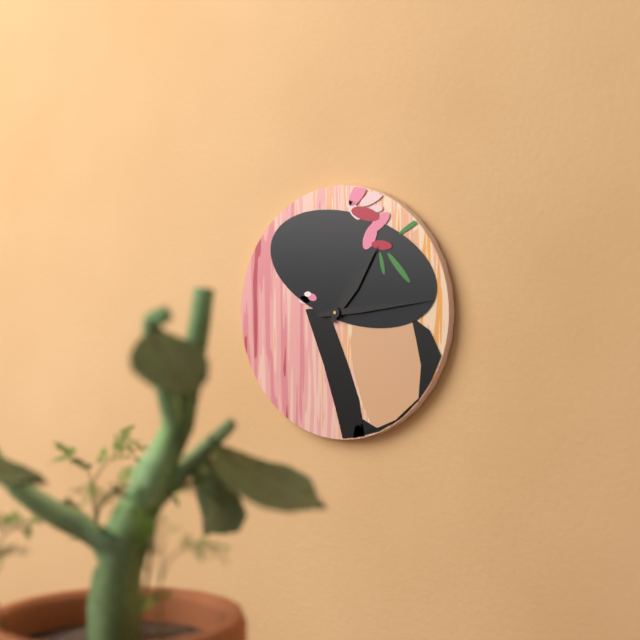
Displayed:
1,14
